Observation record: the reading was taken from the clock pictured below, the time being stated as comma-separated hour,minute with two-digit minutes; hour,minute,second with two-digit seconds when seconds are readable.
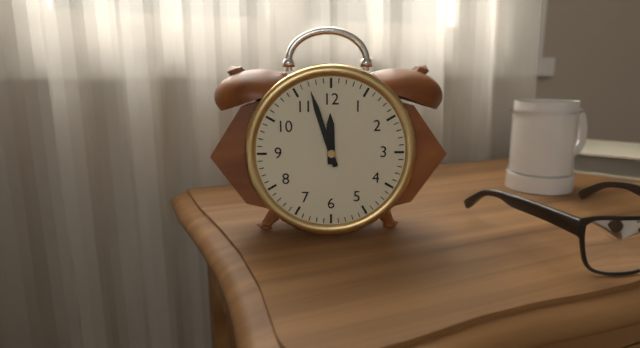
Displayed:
11,57
